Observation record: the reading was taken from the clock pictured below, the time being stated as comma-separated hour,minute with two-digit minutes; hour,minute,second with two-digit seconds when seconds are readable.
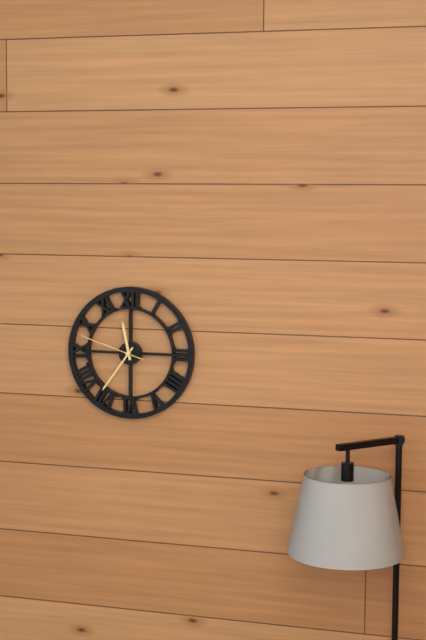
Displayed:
11,36,48
